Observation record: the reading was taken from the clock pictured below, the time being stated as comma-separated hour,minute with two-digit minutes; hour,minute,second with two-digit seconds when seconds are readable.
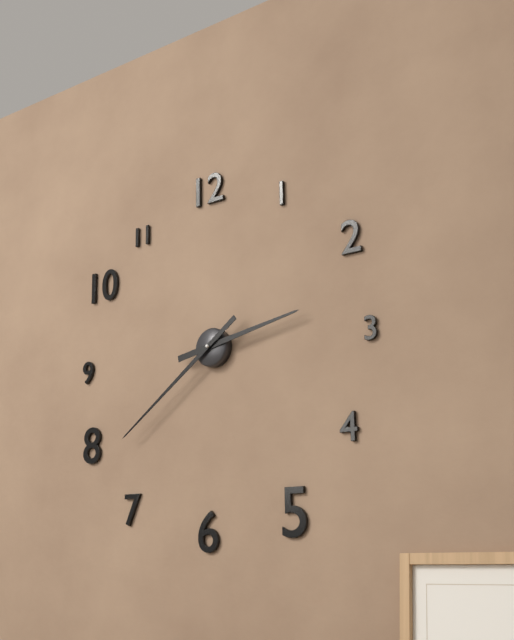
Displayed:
2,39
